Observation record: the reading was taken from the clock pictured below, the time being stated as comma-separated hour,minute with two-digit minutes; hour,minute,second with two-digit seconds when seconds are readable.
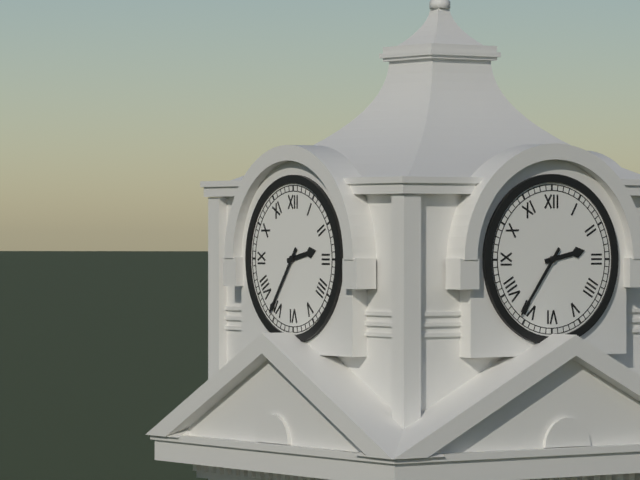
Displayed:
2,36
